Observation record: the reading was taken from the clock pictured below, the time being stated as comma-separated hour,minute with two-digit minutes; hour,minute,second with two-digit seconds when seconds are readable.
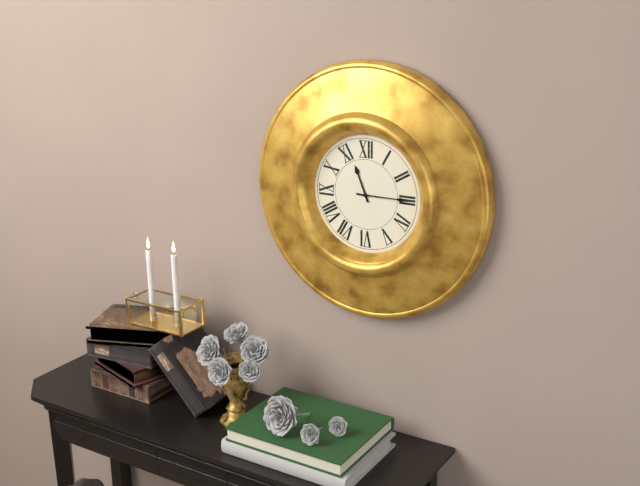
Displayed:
11,15
